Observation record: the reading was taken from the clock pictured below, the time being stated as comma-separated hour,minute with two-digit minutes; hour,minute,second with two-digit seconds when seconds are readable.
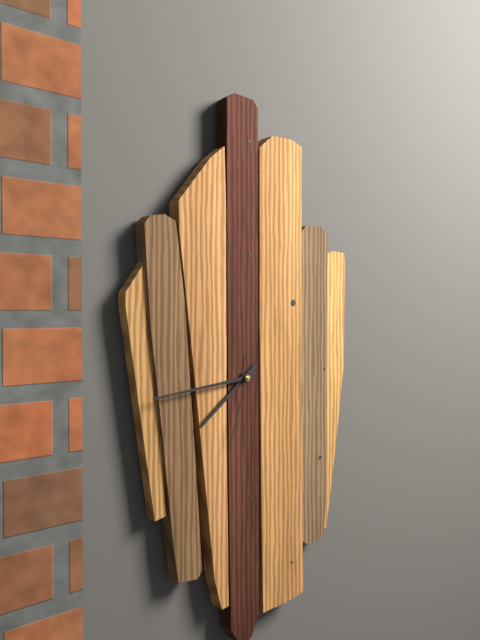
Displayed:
7,44,33
